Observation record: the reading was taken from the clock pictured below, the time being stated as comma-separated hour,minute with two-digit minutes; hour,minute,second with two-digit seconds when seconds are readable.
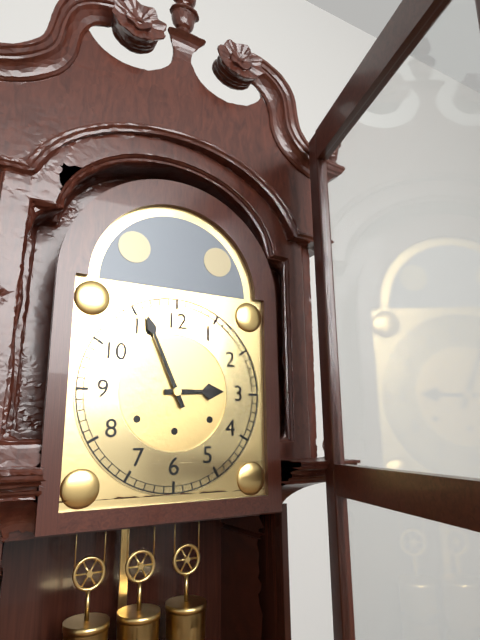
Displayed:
2,56
